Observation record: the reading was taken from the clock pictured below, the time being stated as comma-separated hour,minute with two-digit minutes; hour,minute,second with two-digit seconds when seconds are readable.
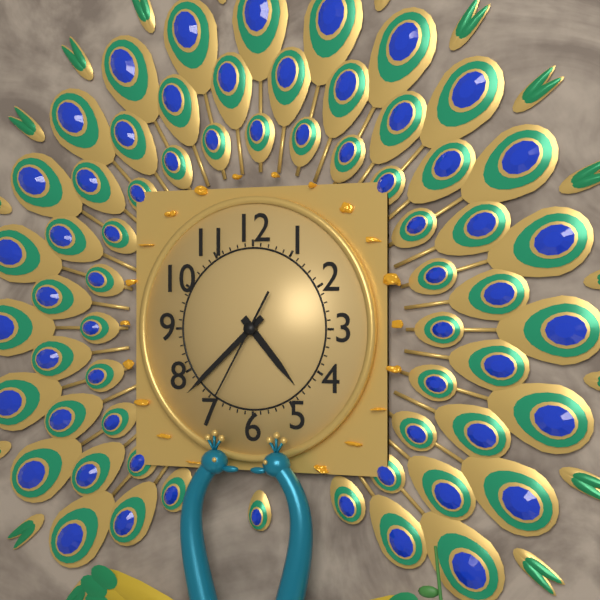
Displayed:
4,38,35
